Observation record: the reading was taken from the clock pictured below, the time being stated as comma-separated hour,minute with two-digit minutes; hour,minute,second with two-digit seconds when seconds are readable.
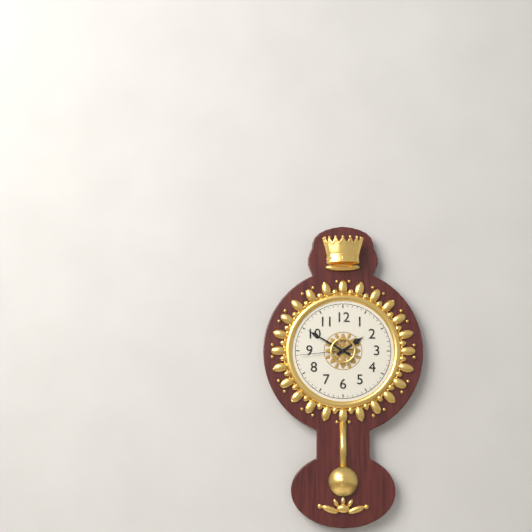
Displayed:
1,50,44
